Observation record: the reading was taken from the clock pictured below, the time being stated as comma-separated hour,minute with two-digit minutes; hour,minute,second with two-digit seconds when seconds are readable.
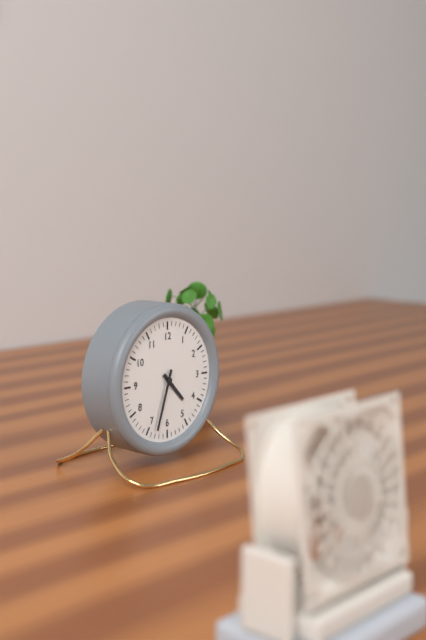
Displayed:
4,33
